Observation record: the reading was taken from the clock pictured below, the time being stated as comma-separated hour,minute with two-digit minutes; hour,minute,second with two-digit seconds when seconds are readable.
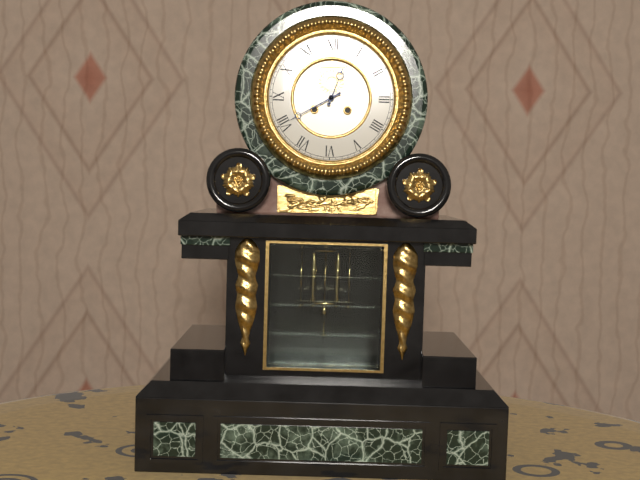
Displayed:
12,40
